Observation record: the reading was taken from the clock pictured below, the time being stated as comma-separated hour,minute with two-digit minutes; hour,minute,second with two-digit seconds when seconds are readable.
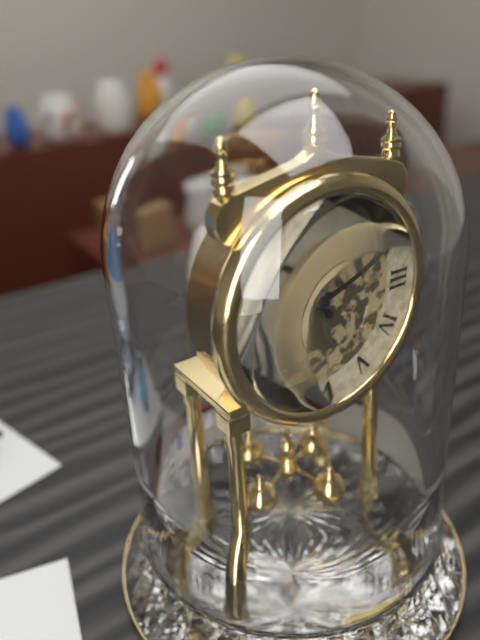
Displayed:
11,11
